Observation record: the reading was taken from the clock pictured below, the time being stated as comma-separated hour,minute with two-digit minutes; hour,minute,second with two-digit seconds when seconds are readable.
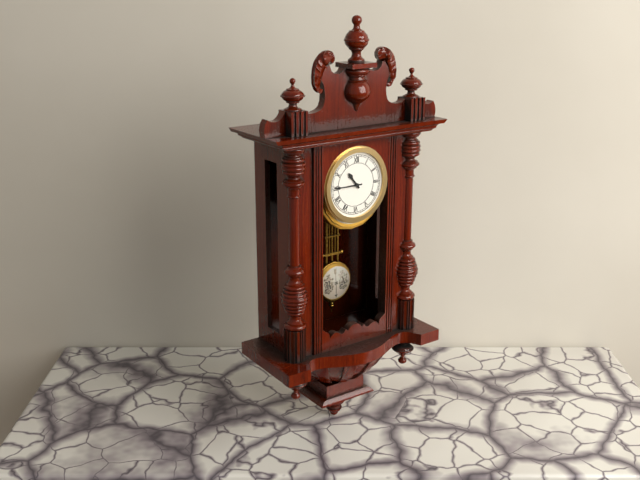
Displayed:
10,45
